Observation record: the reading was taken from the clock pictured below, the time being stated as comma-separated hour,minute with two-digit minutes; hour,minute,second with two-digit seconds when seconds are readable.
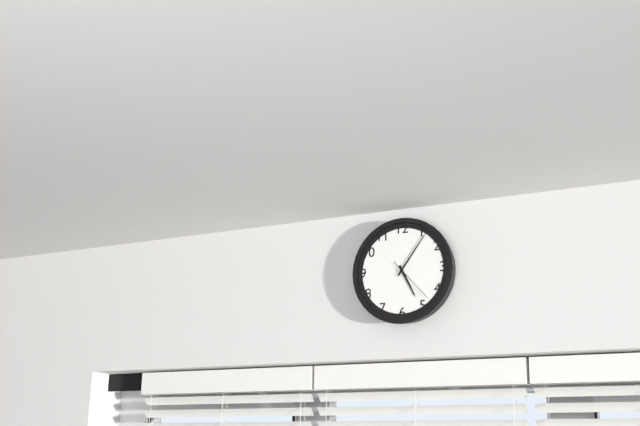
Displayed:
5,06
